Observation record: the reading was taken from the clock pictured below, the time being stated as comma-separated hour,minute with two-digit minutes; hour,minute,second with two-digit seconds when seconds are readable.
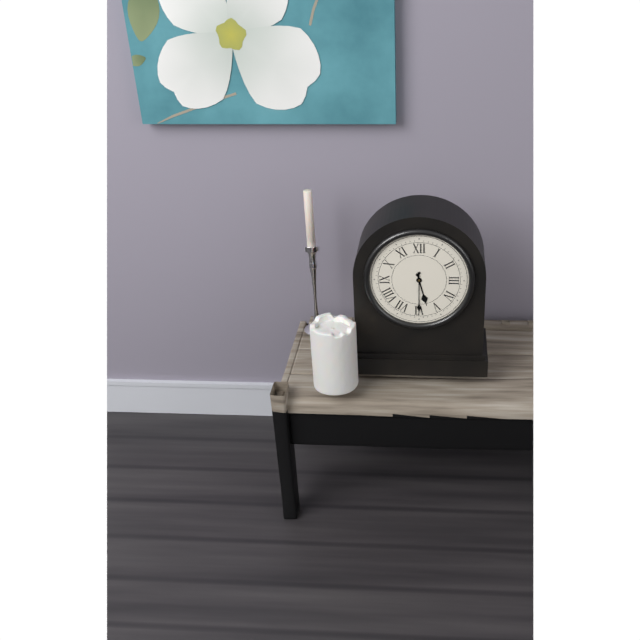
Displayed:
5,30
